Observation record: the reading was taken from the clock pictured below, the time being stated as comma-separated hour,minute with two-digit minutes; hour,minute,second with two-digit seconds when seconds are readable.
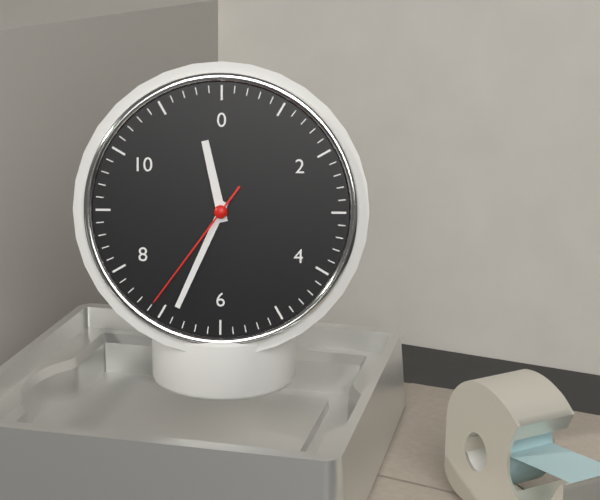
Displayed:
11,34,36
